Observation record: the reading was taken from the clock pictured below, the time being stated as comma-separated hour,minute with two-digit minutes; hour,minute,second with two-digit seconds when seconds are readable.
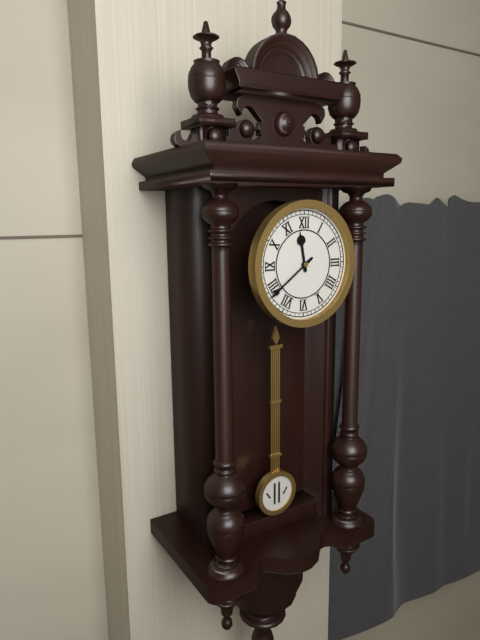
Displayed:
11,39
